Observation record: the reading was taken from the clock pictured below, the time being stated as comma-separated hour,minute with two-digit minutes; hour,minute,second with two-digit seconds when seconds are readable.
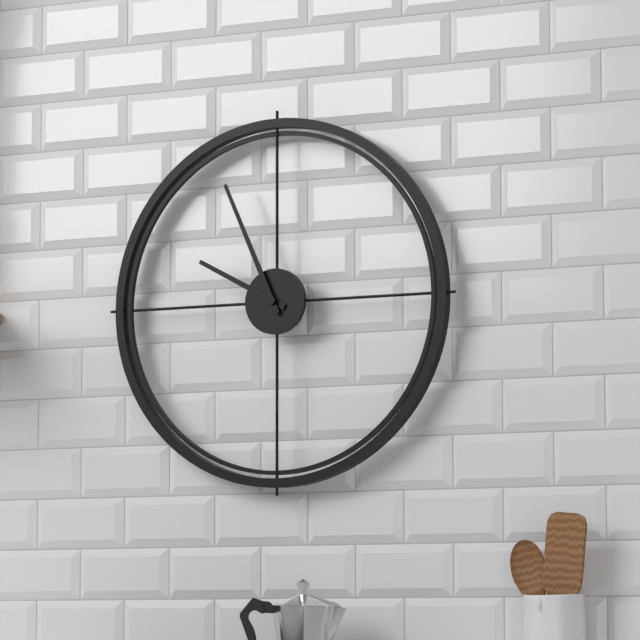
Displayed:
9,56
